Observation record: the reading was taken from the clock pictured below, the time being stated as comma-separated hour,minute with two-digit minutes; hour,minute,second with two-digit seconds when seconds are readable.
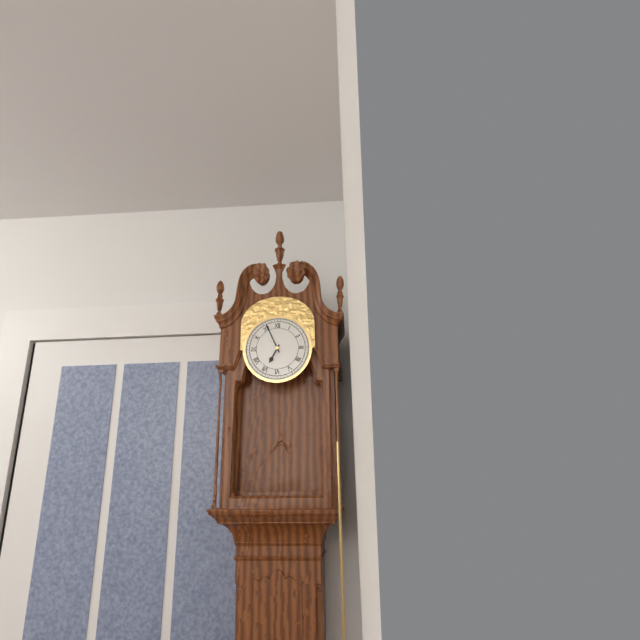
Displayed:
6,56
